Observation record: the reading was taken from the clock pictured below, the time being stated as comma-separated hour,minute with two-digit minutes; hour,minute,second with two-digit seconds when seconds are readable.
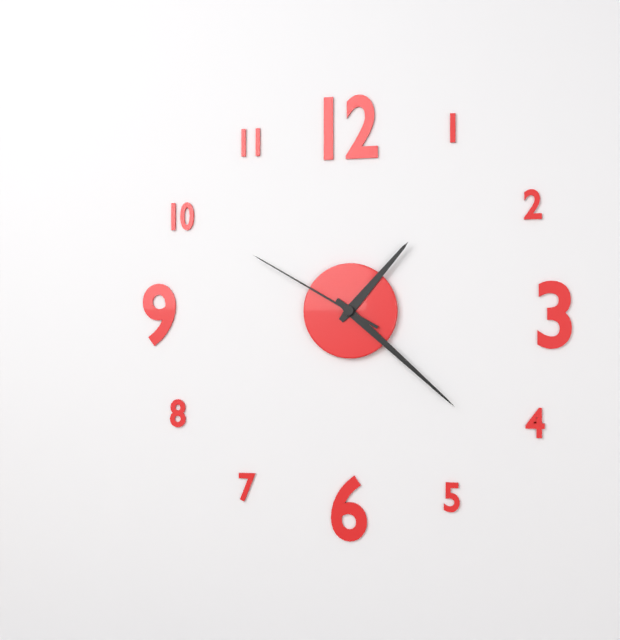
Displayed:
1,22,50
